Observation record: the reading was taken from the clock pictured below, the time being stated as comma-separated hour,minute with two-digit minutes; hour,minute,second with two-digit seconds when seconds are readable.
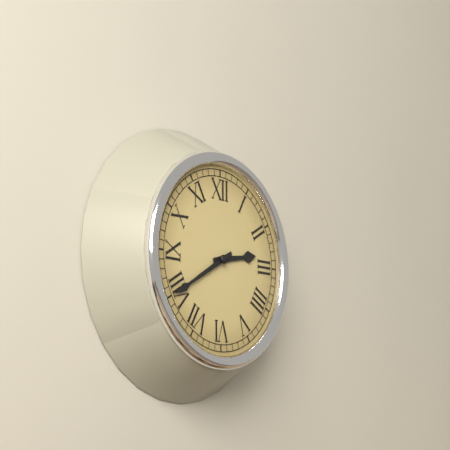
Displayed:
2,40
